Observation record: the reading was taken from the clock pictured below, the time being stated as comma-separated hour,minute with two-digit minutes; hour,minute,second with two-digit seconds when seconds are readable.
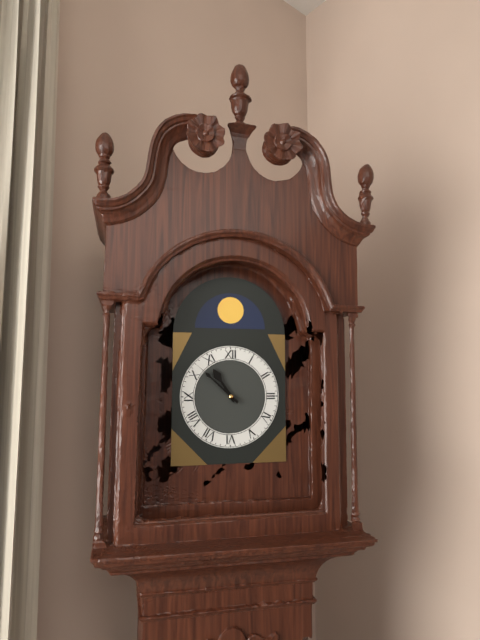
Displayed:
10,52
